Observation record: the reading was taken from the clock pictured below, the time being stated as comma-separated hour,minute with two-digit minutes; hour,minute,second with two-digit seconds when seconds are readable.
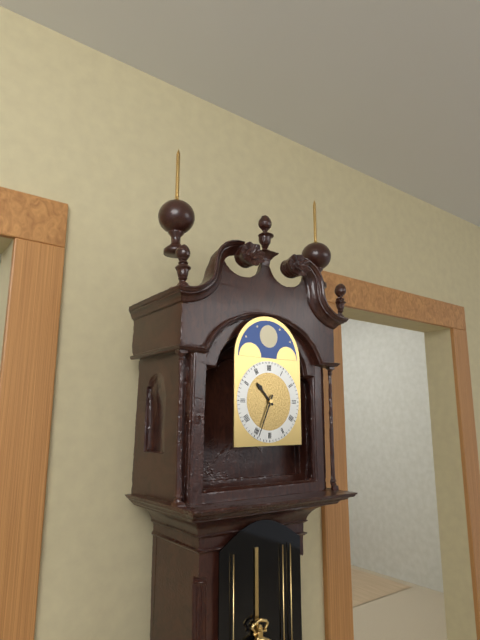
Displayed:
10,34
